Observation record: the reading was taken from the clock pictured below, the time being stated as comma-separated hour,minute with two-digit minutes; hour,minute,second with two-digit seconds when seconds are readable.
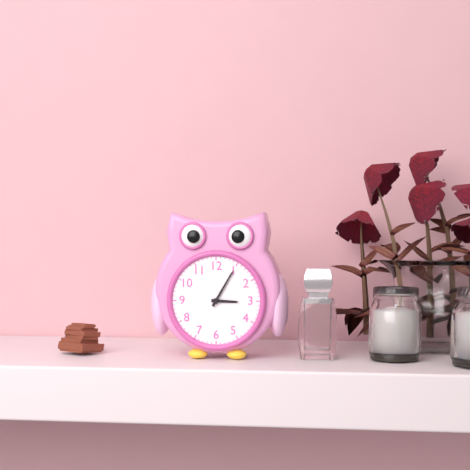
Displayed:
3,05
